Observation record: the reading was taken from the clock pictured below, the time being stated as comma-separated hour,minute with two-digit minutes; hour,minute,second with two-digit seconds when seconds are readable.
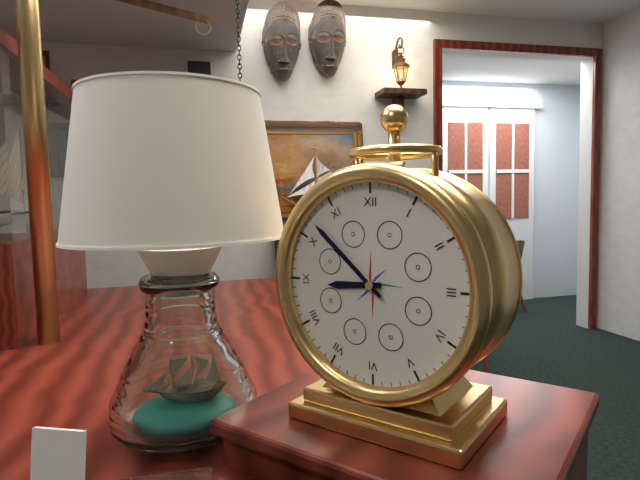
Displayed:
8,52
